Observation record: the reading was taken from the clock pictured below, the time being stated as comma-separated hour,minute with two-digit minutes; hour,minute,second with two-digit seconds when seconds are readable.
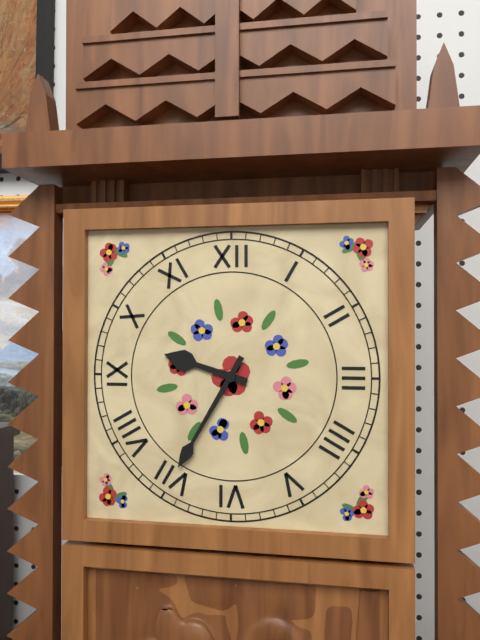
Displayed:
9,35
